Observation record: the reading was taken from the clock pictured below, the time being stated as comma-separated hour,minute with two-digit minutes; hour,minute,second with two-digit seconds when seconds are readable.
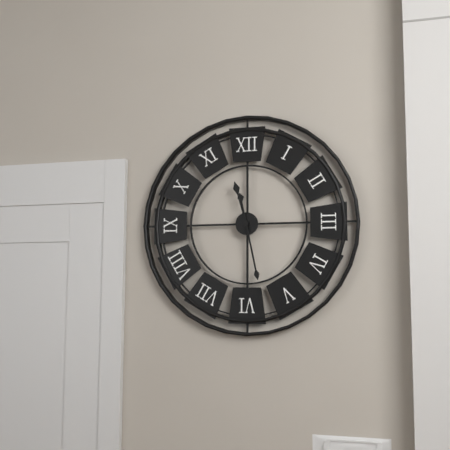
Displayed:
11,28
